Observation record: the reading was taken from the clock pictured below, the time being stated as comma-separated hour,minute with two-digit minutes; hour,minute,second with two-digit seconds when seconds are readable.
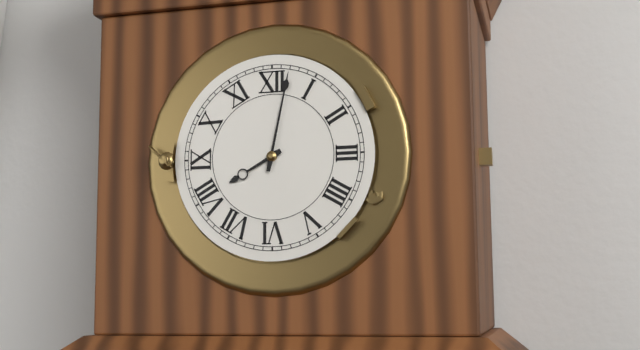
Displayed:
8,02
